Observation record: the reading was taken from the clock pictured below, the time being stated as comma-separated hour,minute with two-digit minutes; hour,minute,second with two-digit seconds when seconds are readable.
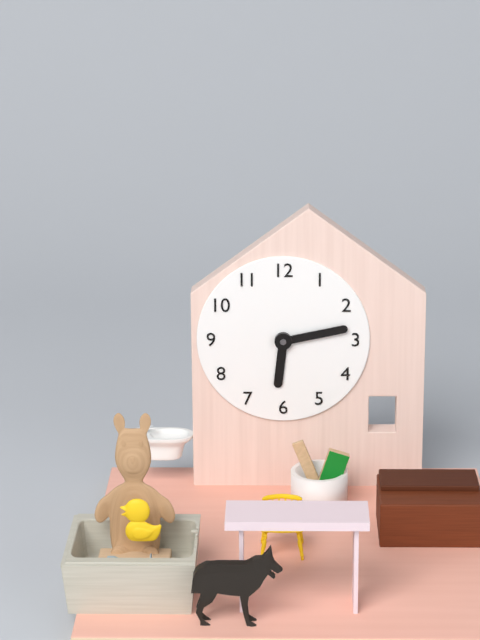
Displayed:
6,13
